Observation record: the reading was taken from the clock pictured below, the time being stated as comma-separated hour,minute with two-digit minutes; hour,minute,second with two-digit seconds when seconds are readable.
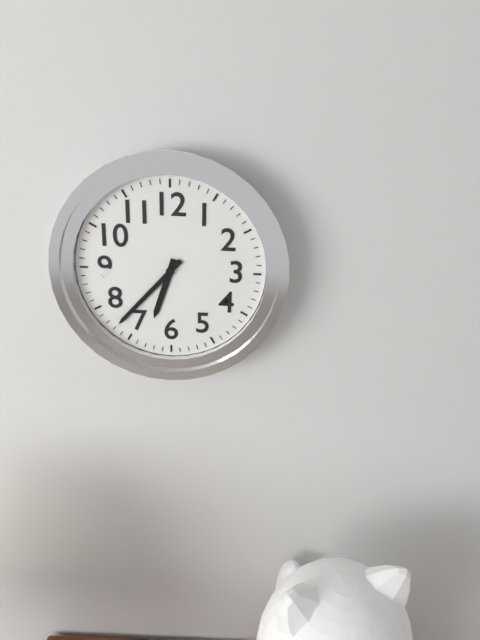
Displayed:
6,37
